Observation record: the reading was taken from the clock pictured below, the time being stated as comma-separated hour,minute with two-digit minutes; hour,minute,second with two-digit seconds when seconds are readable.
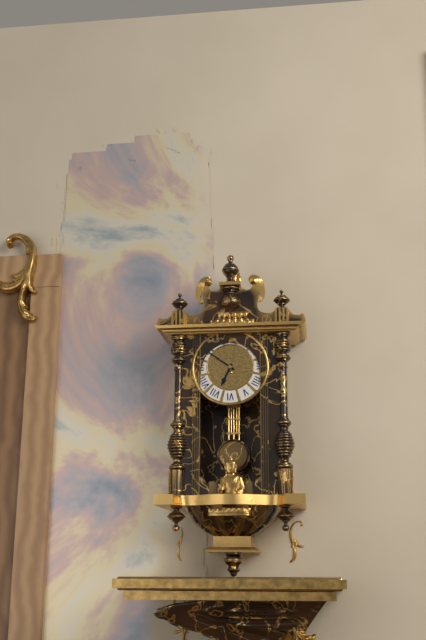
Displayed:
6,51
